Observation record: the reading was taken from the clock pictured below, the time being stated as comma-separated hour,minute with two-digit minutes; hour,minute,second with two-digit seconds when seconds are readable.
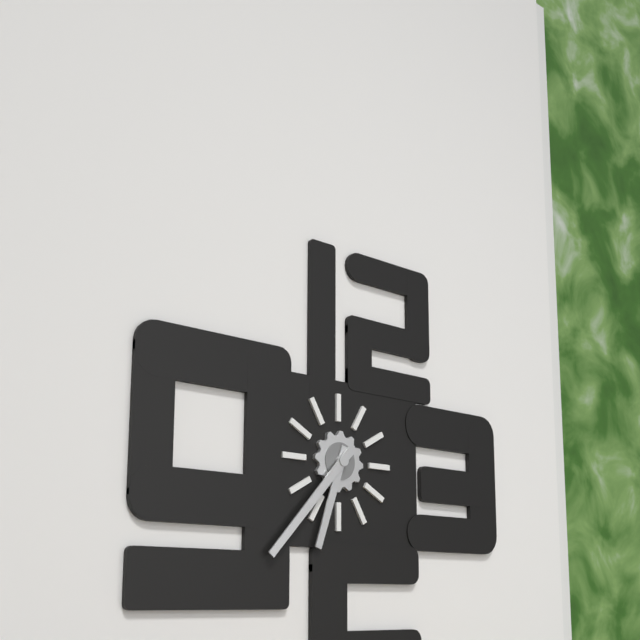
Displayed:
6,37
